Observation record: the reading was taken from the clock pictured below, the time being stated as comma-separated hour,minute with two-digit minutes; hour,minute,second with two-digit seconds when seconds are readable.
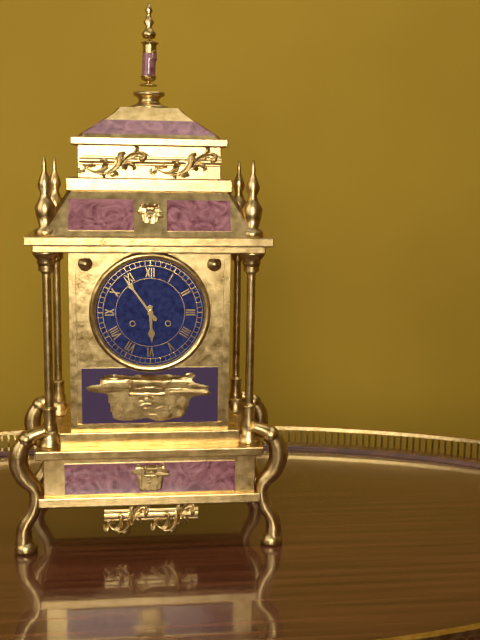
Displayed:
5,54
